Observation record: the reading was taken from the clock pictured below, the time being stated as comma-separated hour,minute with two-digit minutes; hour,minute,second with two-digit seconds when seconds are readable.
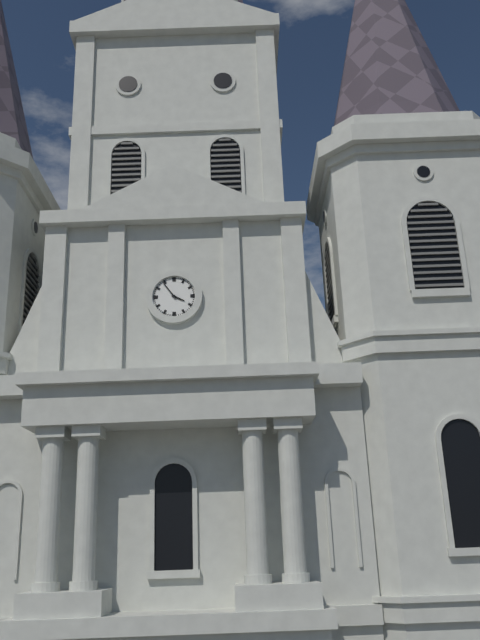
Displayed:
3,54
